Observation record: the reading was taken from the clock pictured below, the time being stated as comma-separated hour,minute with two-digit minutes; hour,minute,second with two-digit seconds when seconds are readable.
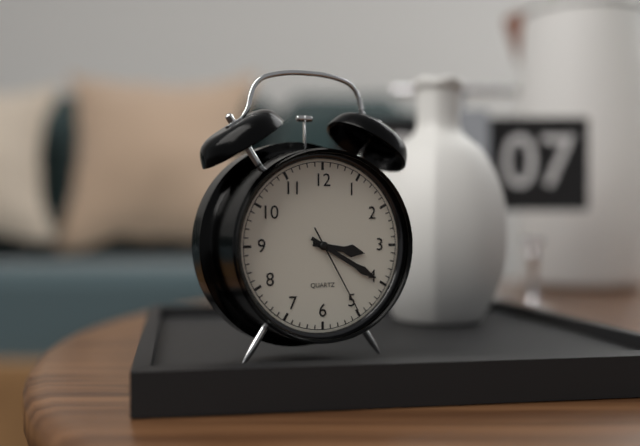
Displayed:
3,20,25
